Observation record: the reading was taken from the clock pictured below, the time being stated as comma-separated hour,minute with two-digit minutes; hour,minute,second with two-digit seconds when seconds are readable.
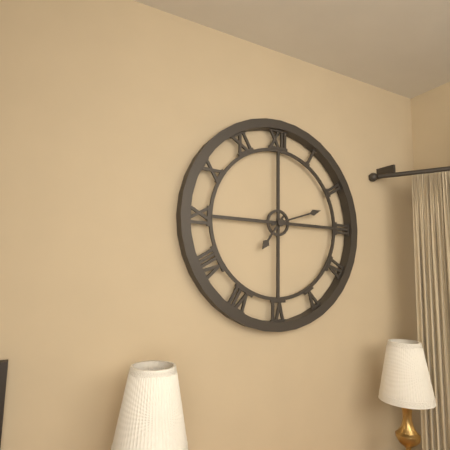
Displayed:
7,12
